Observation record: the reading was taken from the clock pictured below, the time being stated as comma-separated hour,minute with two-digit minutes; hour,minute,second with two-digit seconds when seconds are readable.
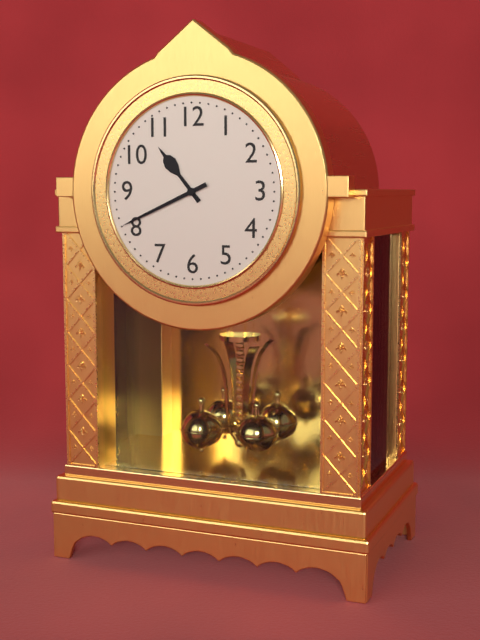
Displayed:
10,41
